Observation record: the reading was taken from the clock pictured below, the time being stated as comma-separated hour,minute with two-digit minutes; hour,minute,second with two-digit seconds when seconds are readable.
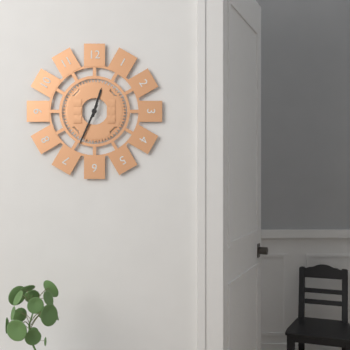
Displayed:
12,34
